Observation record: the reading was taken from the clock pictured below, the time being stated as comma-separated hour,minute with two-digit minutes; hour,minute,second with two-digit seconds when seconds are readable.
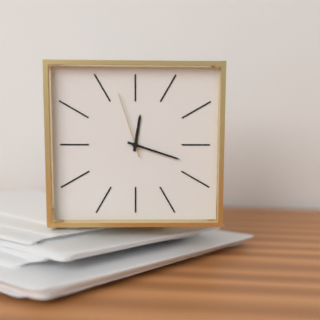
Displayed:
12,18,57
